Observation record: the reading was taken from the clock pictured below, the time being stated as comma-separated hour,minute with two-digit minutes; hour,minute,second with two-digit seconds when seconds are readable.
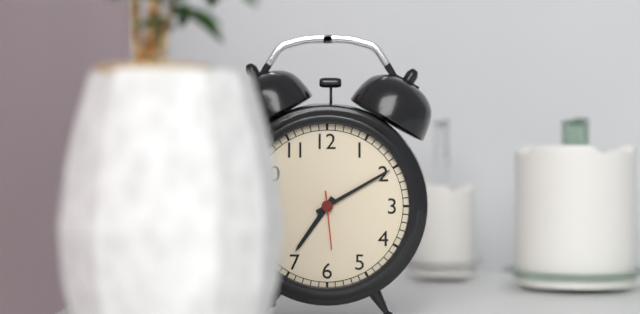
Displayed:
7,10,29
